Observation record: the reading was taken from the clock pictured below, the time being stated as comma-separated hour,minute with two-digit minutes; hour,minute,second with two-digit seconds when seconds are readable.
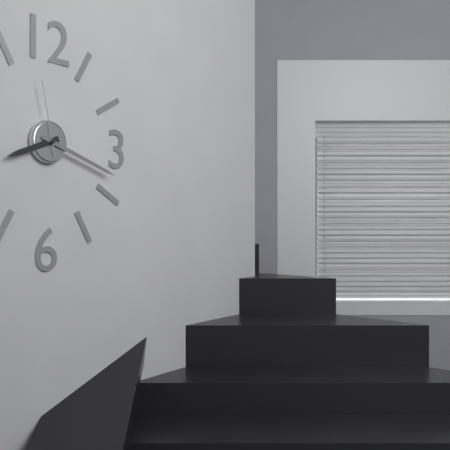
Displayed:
8,18,58
